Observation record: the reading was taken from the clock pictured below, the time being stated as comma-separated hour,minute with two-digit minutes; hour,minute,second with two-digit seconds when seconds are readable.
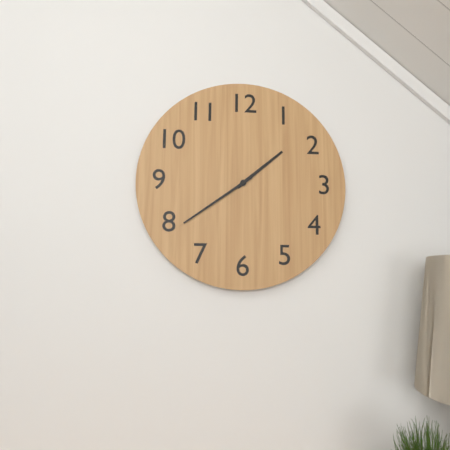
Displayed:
1,39
